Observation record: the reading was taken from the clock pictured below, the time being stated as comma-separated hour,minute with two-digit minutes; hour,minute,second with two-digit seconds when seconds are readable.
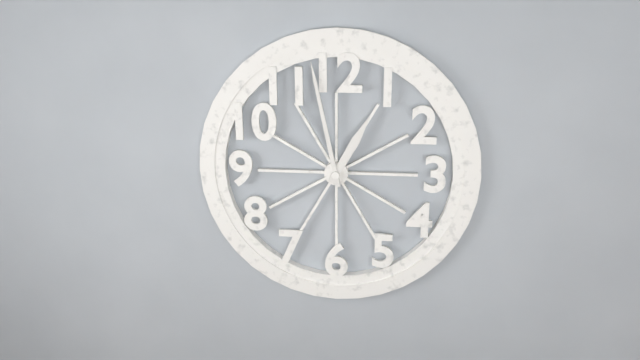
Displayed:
12,58
